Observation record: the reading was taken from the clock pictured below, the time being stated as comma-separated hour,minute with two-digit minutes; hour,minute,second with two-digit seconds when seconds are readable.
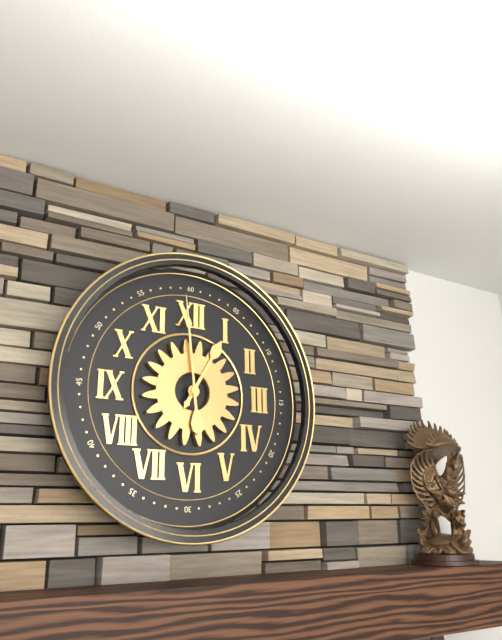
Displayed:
12,59
